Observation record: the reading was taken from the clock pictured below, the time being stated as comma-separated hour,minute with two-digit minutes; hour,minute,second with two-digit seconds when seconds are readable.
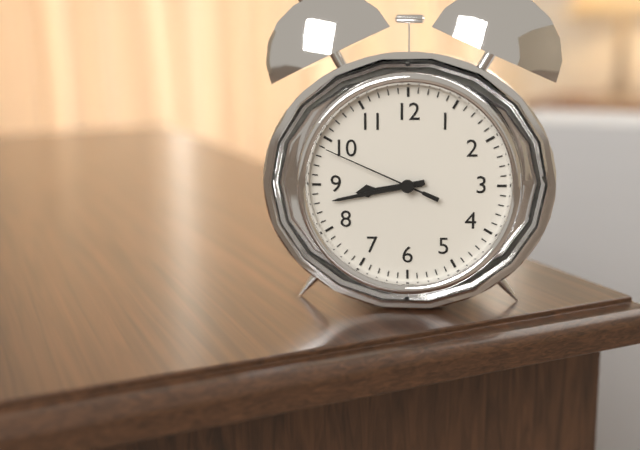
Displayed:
8,43,49
